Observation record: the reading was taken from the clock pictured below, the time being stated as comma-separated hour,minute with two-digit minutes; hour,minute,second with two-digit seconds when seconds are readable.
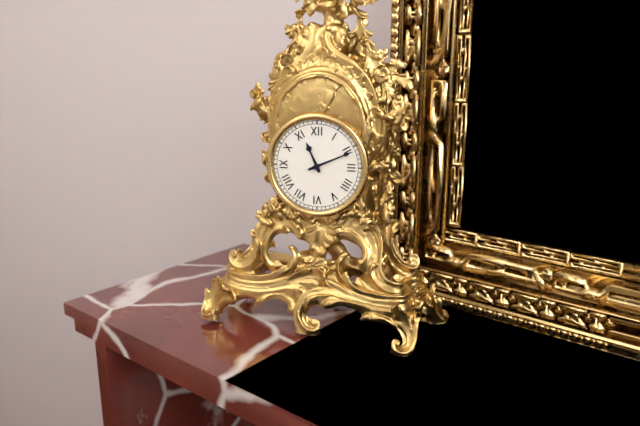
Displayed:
11,11
